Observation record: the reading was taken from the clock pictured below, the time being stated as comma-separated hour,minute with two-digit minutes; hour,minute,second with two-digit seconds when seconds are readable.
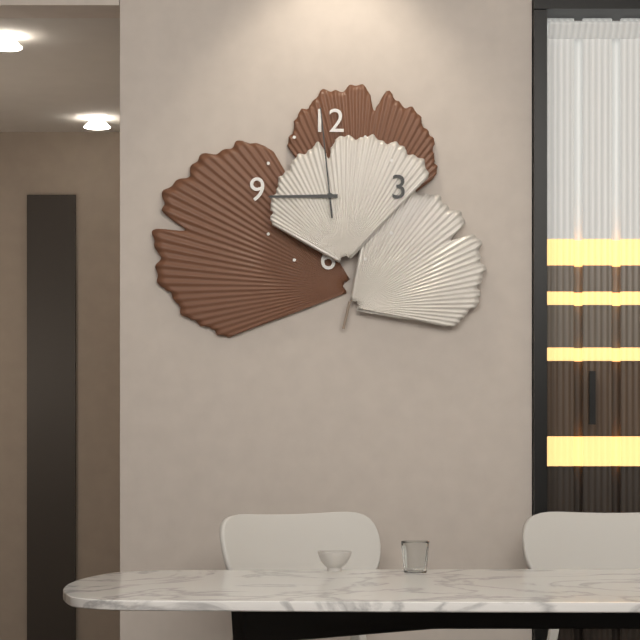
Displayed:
8,59
